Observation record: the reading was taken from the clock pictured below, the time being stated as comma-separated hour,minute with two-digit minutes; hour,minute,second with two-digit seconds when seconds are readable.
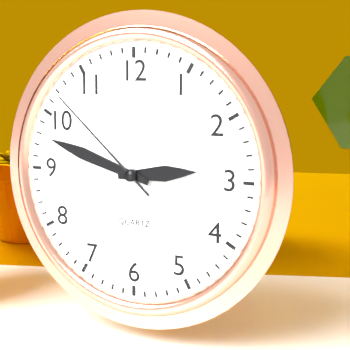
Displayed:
2,48,52
